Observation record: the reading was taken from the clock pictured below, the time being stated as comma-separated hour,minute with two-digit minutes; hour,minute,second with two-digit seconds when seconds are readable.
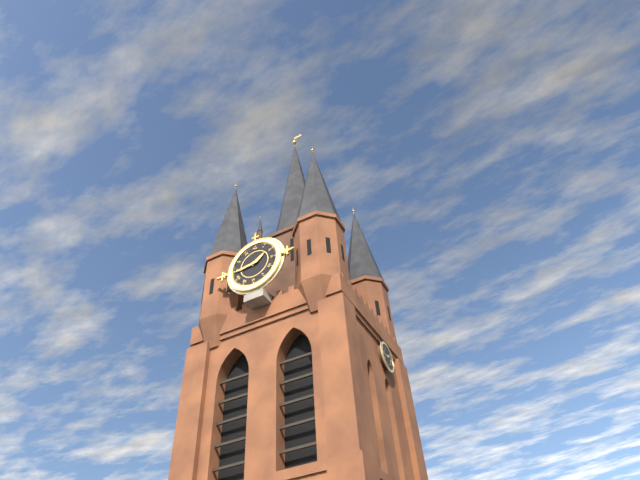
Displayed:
1,44
